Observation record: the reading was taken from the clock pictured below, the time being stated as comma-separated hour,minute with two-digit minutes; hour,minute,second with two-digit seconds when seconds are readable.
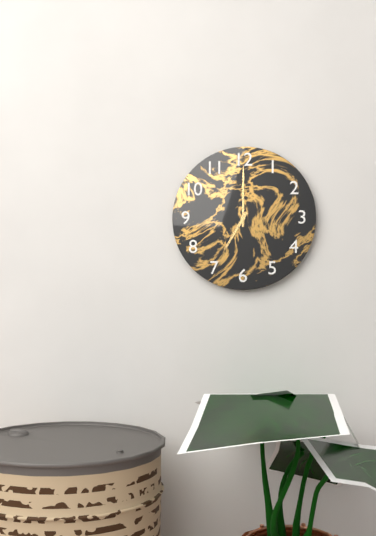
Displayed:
7,00
